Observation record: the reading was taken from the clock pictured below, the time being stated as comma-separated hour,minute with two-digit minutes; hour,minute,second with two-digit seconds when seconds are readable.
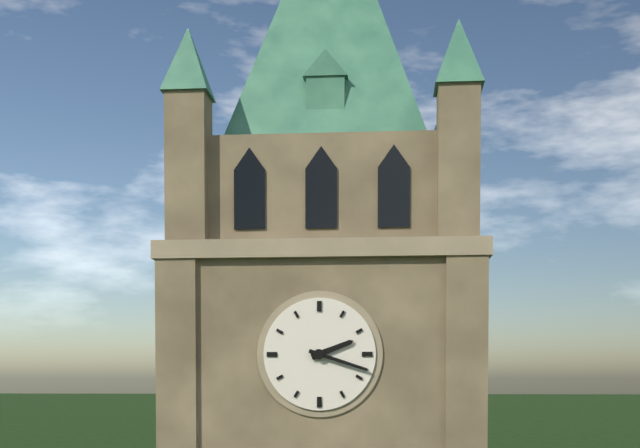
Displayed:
2,18
